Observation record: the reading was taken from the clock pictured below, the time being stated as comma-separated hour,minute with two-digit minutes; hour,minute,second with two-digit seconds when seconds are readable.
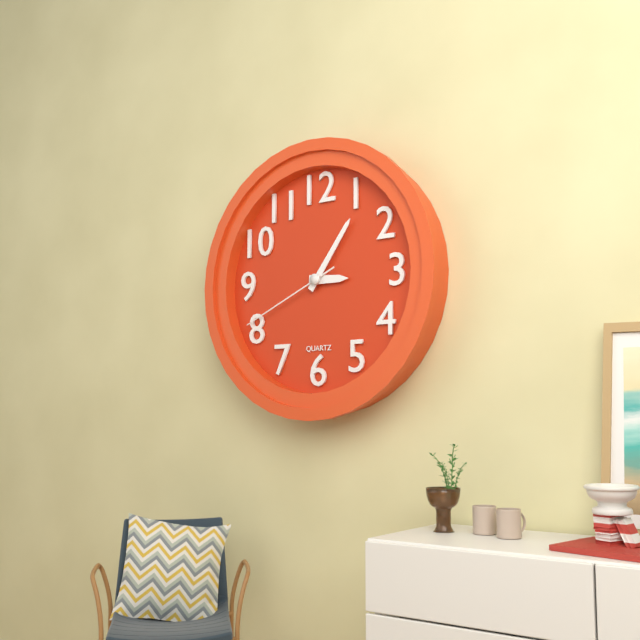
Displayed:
3,06,41
